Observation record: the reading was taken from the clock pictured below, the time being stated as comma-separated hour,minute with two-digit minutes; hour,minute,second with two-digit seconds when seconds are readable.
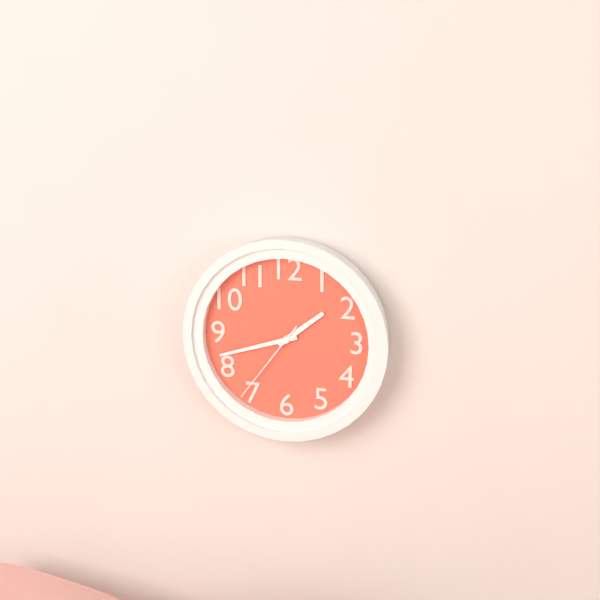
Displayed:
1,42,36
